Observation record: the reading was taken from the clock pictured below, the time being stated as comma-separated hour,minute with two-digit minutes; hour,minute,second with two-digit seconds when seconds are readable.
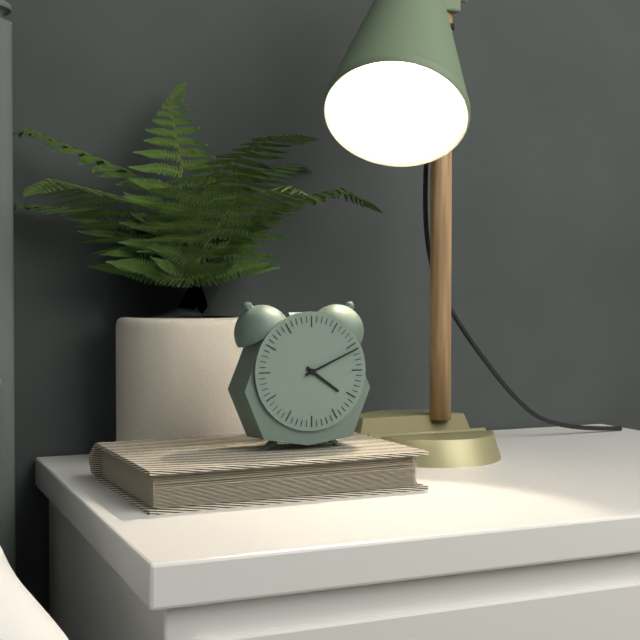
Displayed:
4,11
